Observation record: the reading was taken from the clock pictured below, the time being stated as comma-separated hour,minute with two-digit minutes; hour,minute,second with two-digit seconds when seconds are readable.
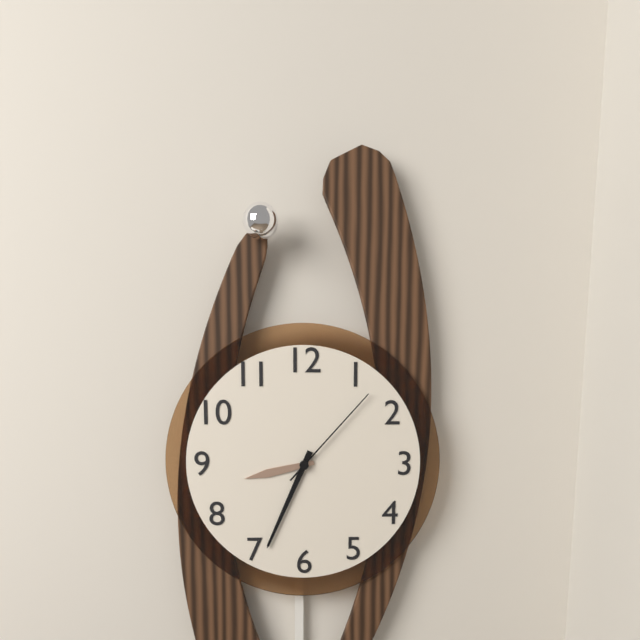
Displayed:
8,34,07
